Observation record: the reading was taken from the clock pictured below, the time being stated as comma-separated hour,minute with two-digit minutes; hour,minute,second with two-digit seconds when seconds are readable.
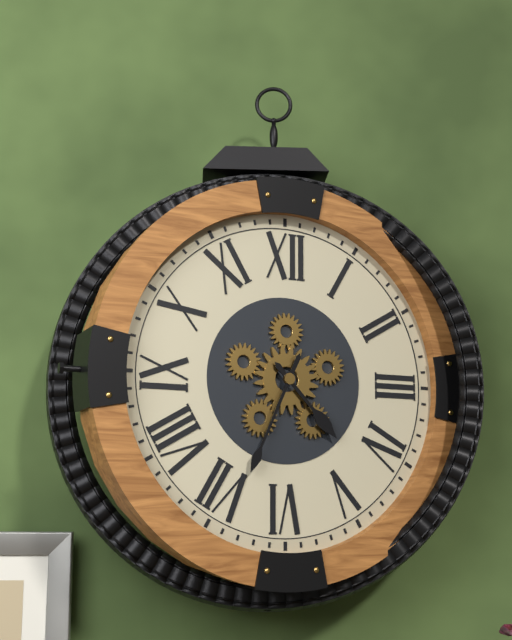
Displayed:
4,34
